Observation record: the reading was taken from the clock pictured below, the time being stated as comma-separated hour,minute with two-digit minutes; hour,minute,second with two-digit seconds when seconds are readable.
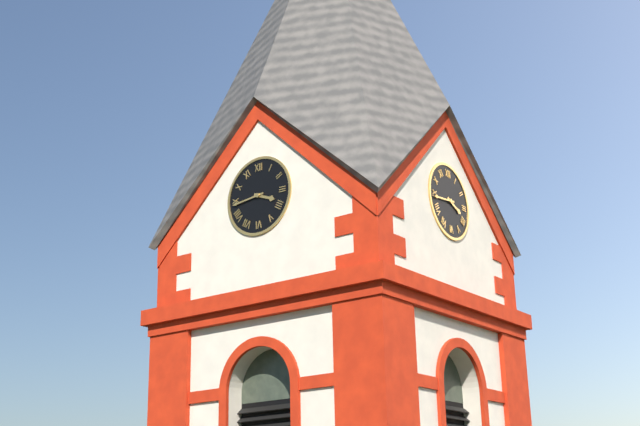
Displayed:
3,44
